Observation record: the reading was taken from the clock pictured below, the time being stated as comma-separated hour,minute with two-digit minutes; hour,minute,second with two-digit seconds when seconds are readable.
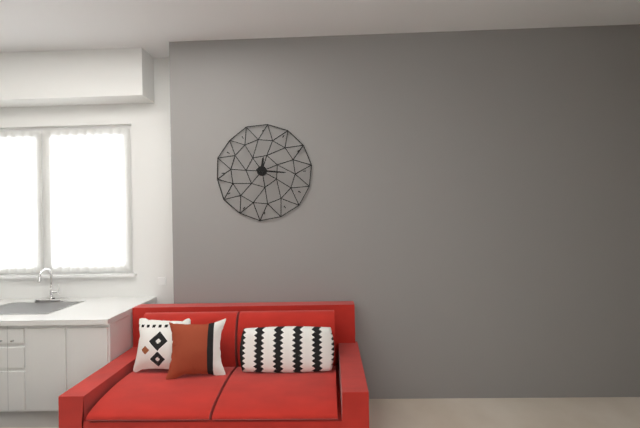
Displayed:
12,16
